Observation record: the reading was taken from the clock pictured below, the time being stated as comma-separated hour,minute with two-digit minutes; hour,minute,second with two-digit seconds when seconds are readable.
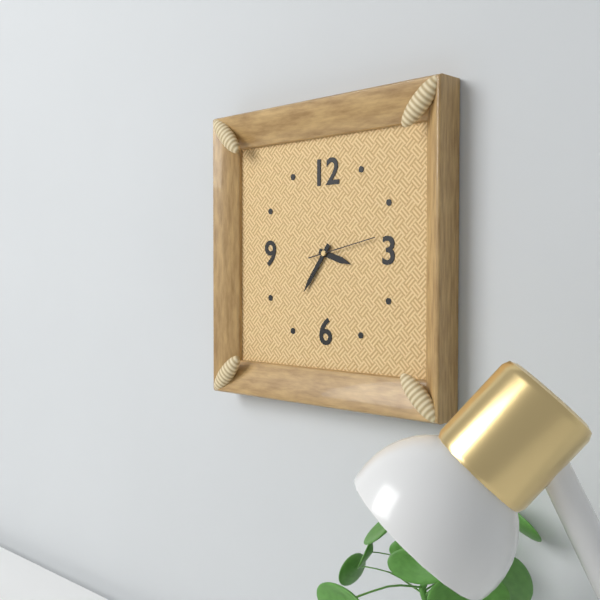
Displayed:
3,36,13
